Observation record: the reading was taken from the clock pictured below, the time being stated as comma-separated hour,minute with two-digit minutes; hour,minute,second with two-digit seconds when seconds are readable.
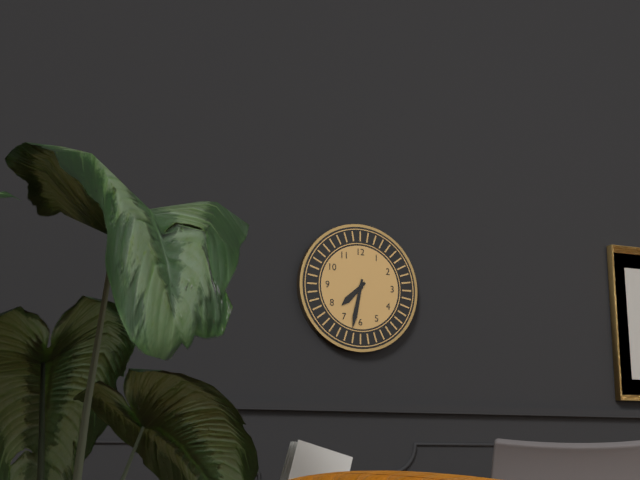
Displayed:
7,32
